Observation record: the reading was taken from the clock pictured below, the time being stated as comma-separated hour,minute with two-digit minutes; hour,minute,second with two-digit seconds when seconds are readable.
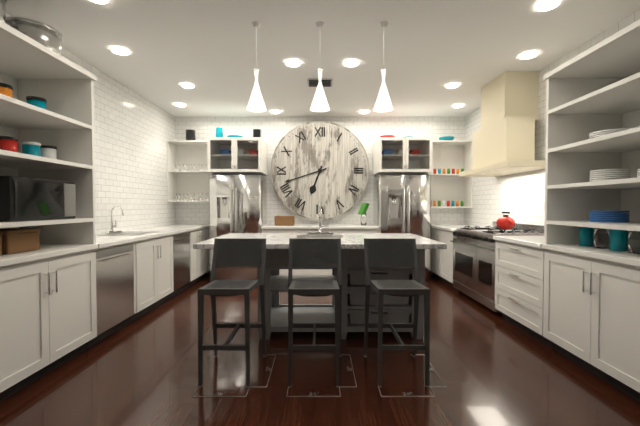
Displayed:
6,42
